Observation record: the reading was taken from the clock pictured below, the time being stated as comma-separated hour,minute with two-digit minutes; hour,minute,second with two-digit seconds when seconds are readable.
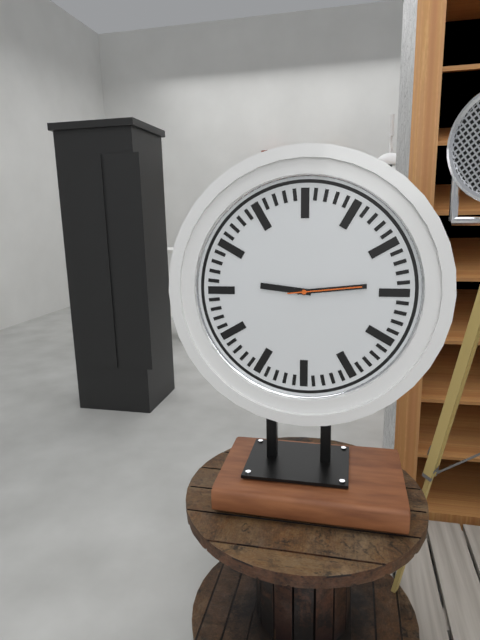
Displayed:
9,14,14
